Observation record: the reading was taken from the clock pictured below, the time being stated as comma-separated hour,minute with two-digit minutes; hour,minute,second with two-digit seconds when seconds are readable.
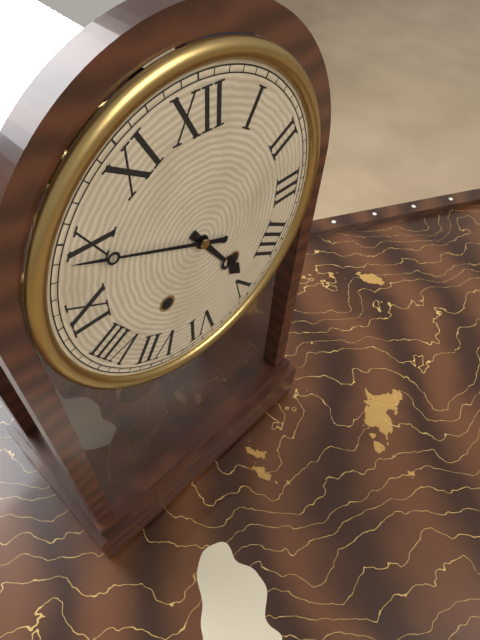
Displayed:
4,49
